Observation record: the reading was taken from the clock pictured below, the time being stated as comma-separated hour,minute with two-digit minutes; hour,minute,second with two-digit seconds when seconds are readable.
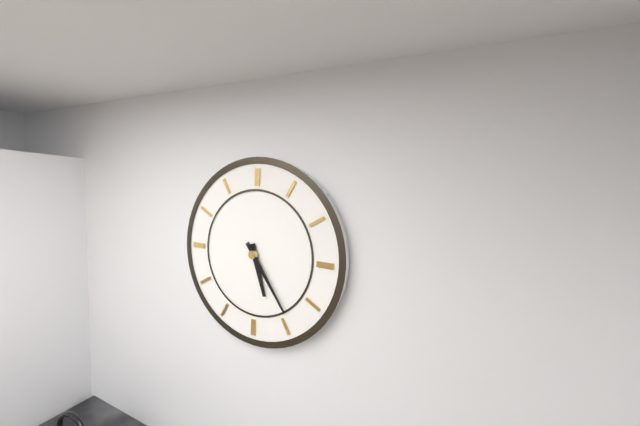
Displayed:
5,24
